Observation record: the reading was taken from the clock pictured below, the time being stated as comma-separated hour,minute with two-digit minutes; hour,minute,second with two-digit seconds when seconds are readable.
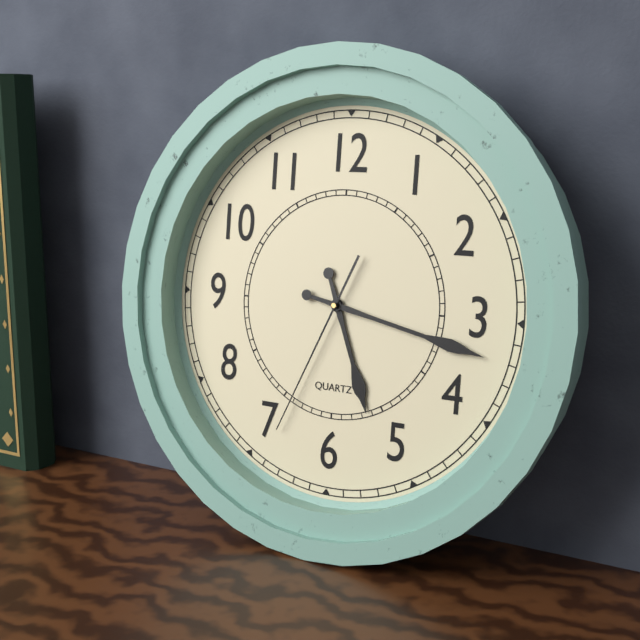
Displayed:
5,17,34
